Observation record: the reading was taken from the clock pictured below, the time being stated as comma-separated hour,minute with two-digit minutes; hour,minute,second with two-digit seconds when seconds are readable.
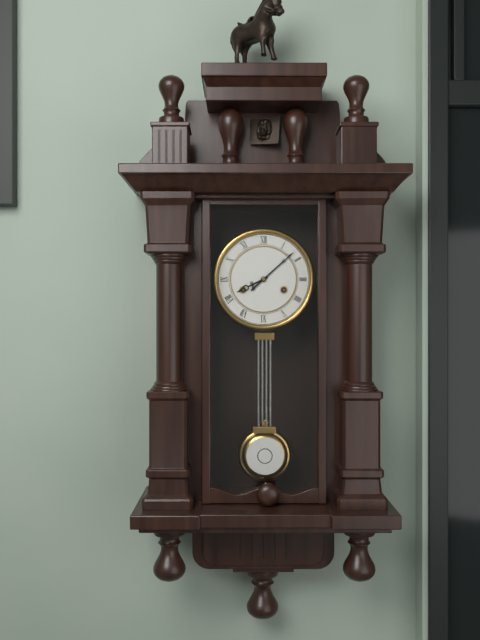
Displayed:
8,08
